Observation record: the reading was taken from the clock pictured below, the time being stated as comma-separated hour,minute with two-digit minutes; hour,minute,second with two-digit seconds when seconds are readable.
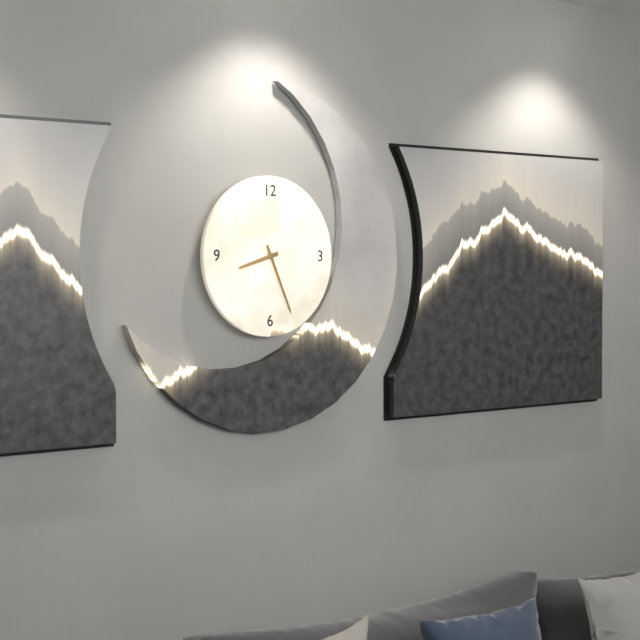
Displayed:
8,26
